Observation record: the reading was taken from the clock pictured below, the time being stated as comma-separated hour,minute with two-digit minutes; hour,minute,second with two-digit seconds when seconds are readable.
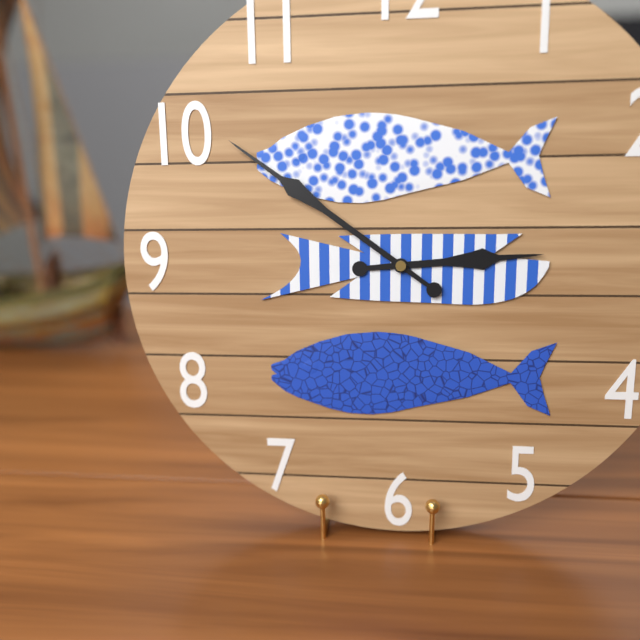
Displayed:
2,51
